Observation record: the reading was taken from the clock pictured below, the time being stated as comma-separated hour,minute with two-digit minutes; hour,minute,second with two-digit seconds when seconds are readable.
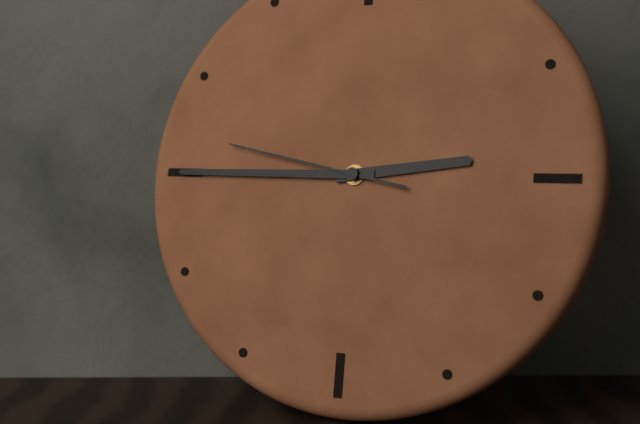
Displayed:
2,45,47
